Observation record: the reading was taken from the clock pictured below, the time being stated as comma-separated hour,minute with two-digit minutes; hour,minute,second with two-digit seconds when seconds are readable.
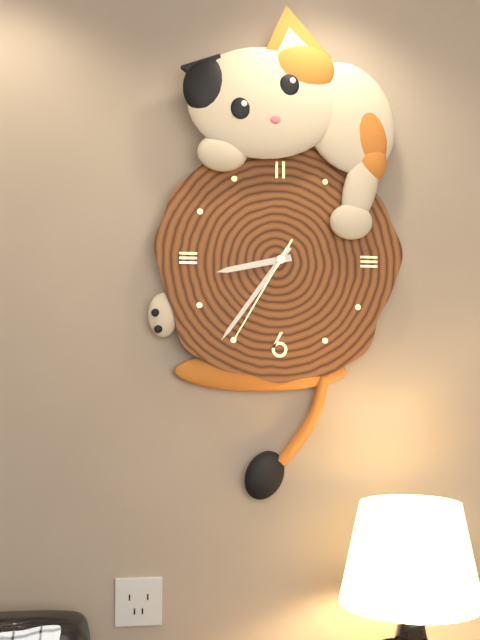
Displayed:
8,36,35
